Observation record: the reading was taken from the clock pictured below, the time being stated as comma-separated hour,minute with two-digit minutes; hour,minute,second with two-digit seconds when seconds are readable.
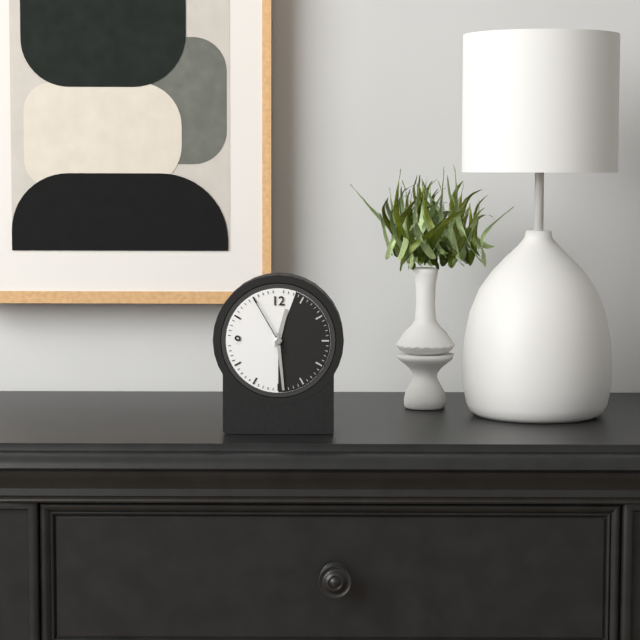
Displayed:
12,29,55
